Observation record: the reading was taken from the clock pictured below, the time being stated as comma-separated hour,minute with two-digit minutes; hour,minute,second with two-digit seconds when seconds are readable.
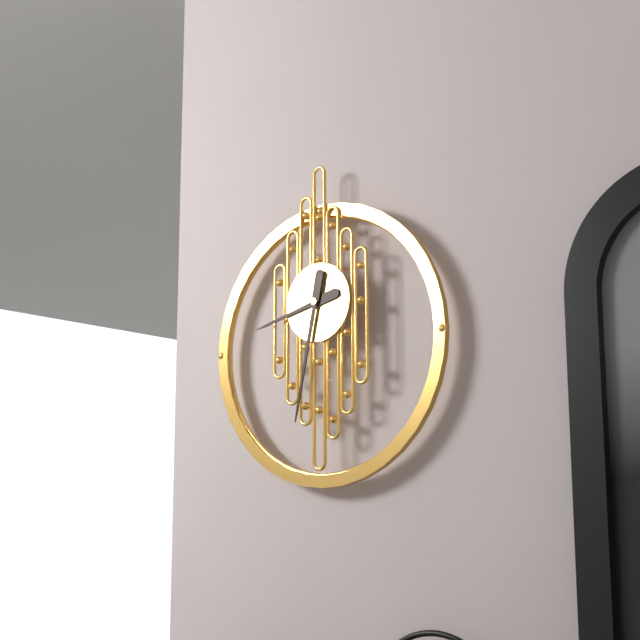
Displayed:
8,32
